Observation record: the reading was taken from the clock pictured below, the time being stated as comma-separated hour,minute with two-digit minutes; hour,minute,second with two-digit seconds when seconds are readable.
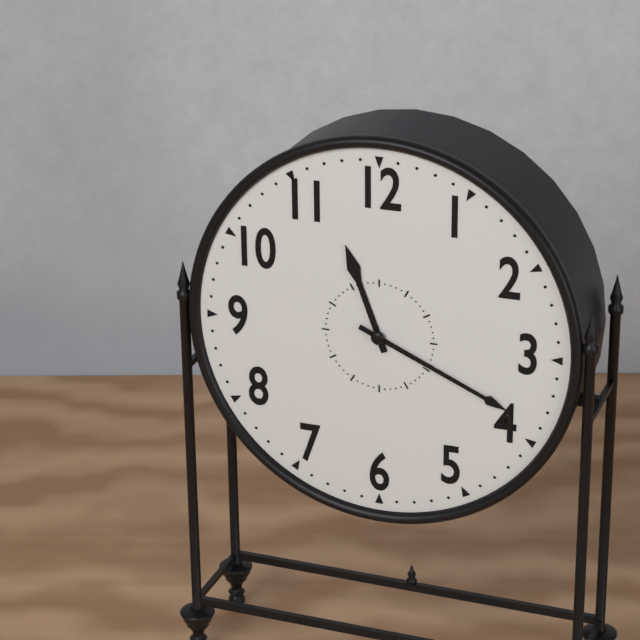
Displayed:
11,19
